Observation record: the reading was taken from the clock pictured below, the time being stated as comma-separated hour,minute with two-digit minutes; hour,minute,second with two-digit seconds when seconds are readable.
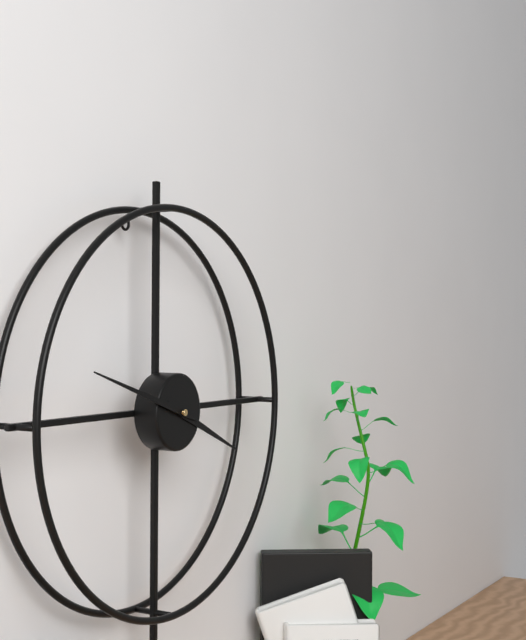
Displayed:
3,48
